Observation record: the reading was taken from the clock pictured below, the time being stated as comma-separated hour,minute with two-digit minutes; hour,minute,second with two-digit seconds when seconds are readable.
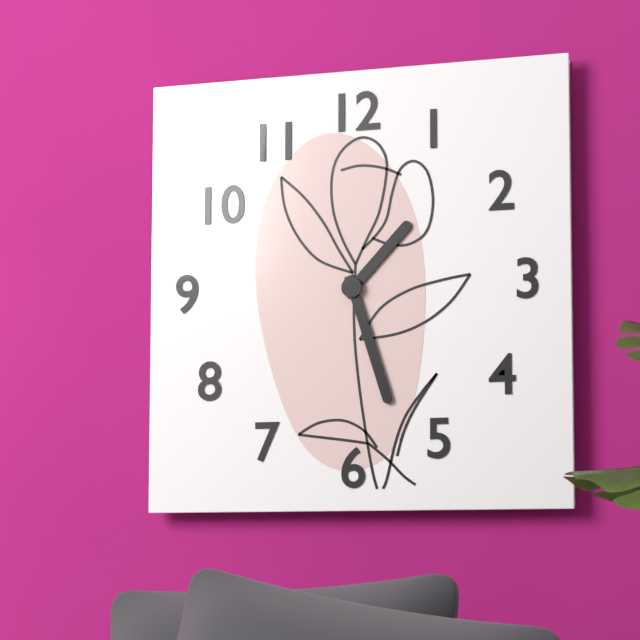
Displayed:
1,27
